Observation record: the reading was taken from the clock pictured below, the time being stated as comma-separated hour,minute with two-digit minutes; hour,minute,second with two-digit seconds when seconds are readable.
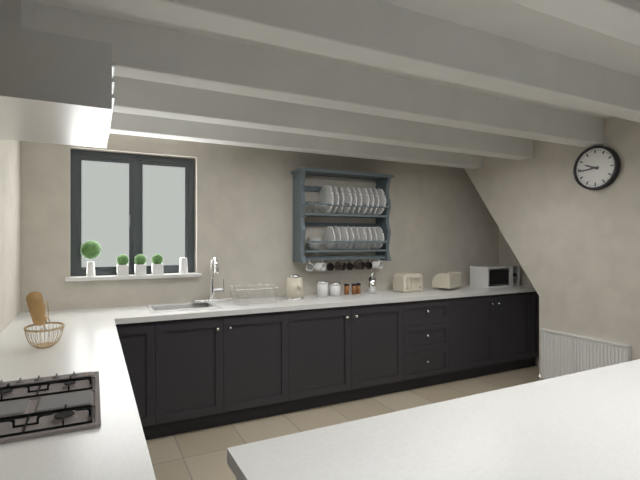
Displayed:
9,44
